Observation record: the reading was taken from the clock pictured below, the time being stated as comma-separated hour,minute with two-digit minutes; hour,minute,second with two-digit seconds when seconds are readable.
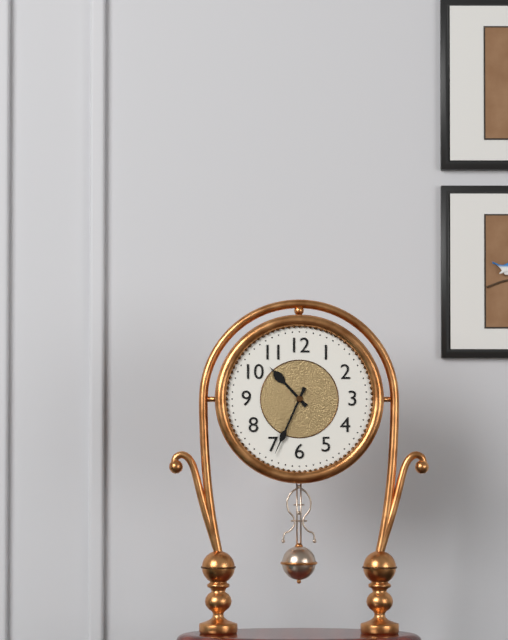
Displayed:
10,34
